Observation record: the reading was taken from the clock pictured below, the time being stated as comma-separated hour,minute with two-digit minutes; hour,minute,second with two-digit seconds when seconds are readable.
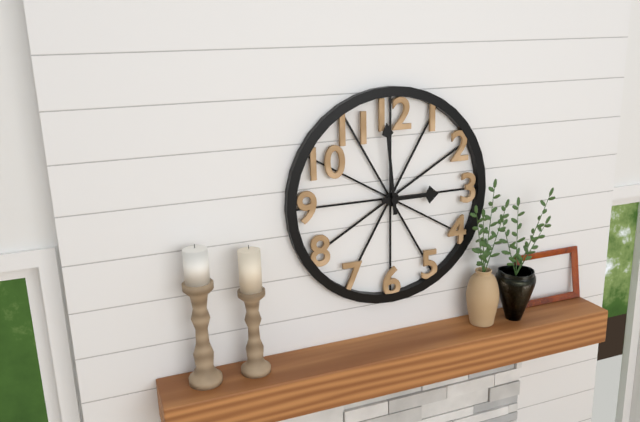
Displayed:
2,59
